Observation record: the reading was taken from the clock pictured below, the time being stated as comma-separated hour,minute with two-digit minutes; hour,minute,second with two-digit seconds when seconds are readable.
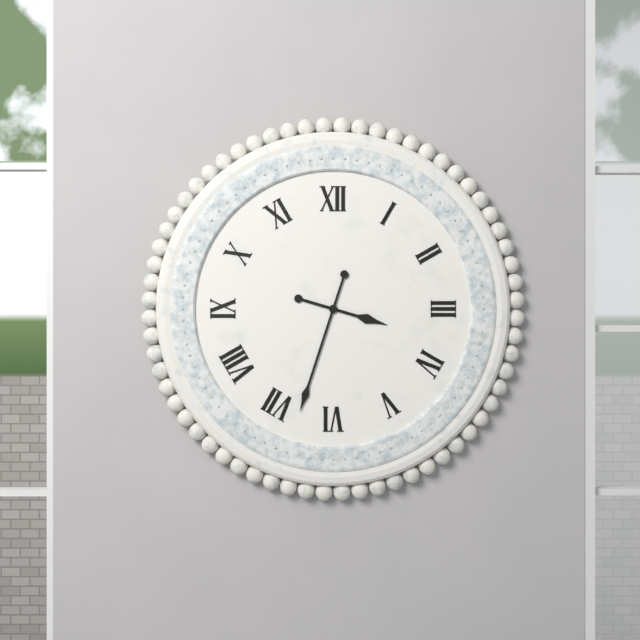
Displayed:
3,33
